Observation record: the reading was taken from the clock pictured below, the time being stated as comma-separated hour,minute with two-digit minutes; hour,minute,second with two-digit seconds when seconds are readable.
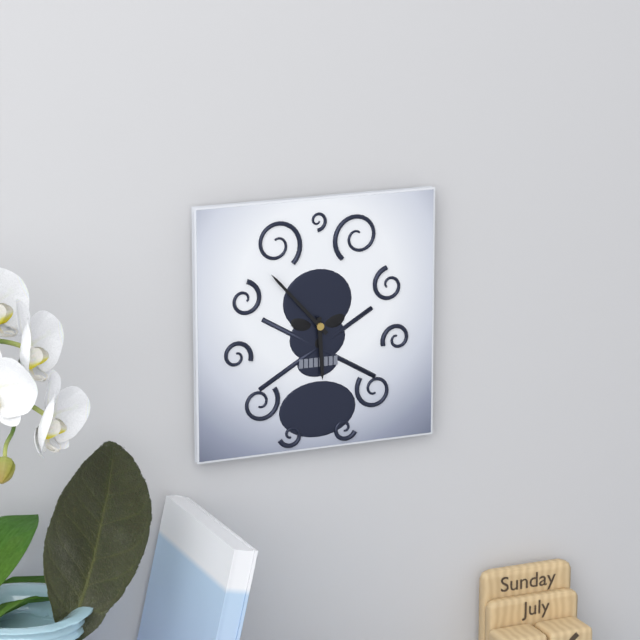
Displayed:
5,53
